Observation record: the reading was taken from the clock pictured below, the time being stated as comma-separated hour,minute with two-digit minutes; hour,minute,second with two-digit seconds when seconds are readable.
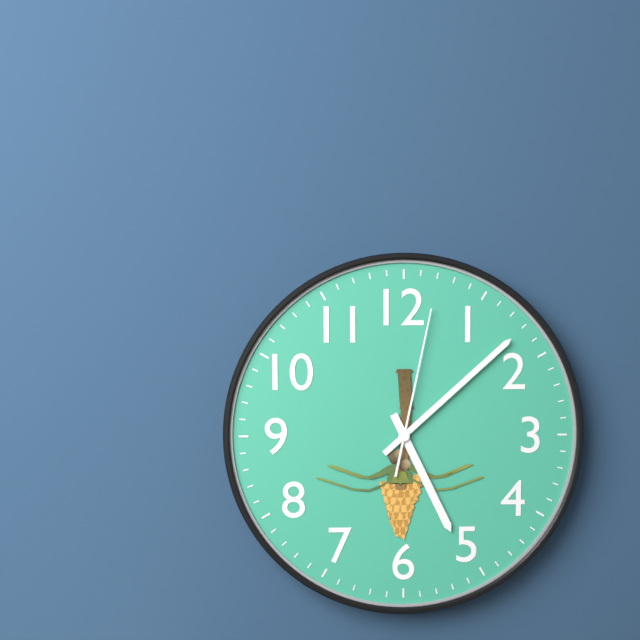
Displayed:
5,08,02
